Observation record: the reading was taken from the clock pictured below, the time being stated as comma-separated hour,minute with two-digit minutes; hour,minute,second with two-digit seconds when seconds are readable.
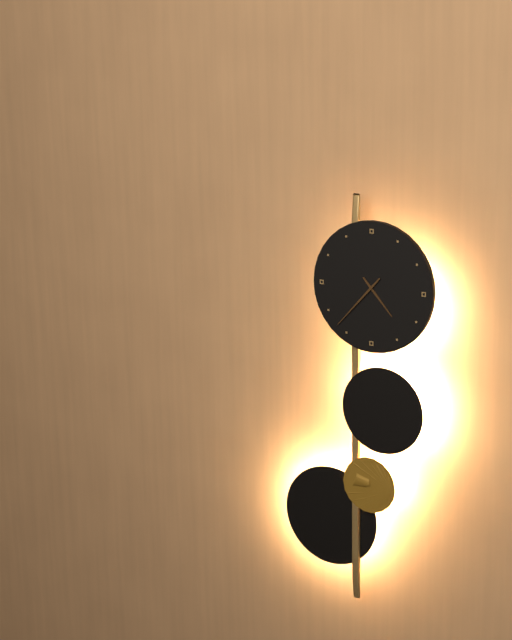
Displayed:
4,37
